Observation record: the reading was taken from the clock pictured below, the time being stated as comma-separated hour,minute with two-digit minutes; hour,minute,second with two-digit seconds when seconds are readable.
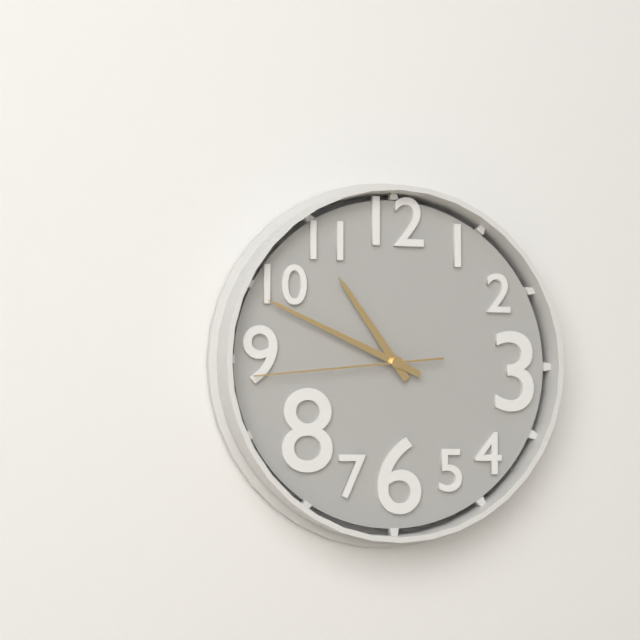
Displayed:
10,49,44
